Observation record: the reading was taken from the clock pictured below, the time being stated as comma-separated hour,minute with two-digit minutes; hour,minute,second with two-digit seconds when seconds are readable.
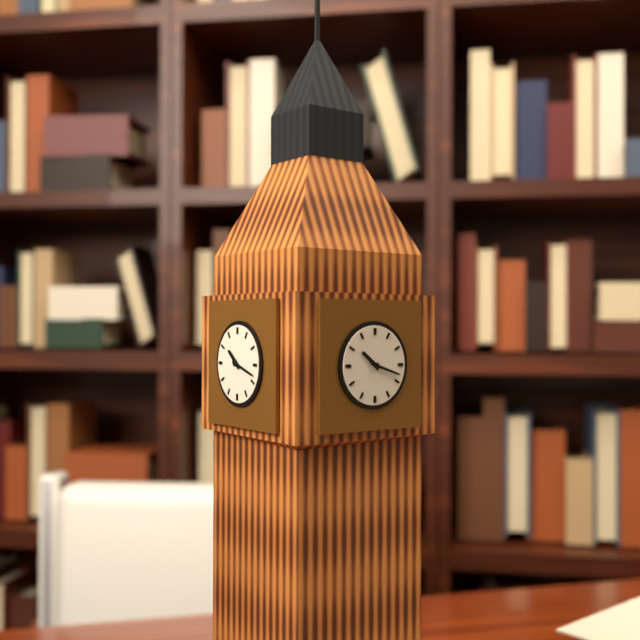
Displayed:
10,18
